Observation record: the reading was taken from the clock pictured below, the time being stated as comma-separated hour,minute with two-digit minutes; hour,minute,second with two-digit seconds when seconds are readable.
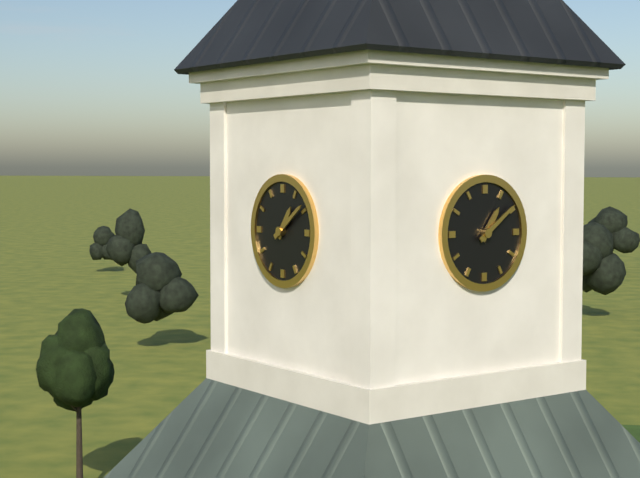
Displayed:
1,09
